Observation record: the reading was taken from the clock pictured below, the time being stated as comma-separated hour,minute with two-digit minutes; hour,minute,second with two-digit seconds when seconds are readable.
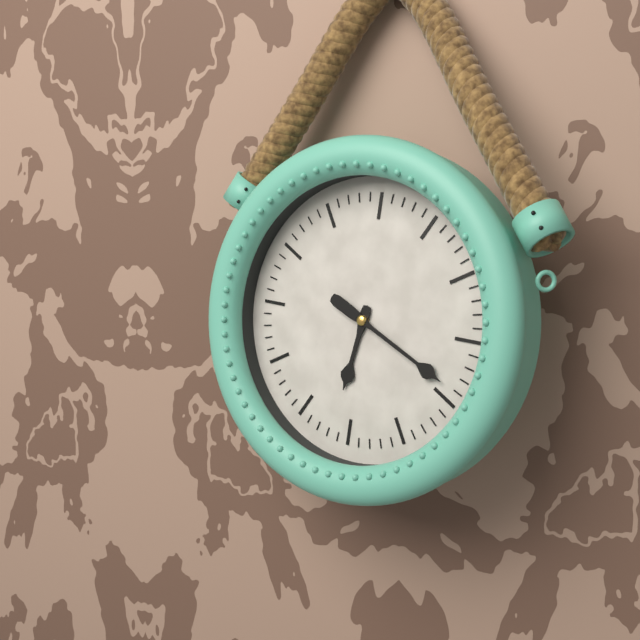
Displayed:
6,19
